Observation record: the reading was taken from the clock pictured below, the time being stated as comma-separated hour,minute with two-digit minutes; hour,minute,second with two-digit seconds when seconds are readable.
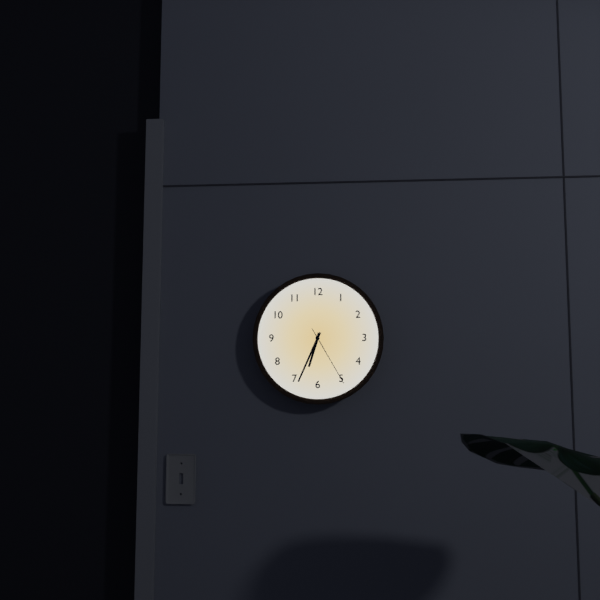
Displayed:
6,34,25
